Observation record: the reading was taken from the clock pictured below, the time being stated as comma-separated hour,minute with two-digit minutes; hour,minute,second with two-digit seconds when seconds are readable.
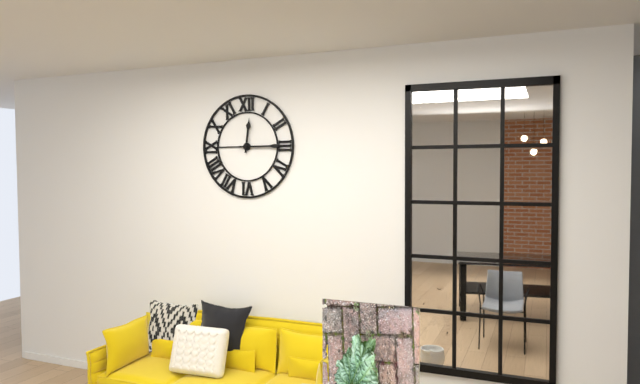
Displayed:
12,15
